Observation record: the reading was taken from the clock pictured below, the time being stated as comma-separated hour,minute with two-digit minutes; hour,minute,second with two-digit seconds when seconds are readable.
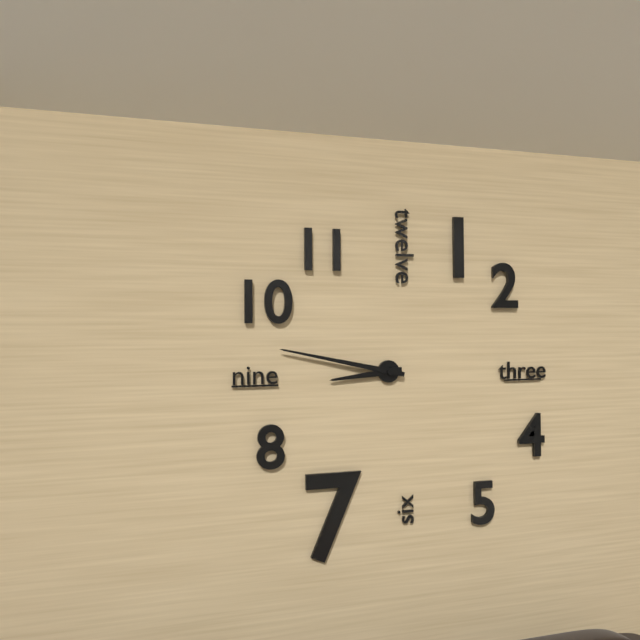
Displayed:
8,47
